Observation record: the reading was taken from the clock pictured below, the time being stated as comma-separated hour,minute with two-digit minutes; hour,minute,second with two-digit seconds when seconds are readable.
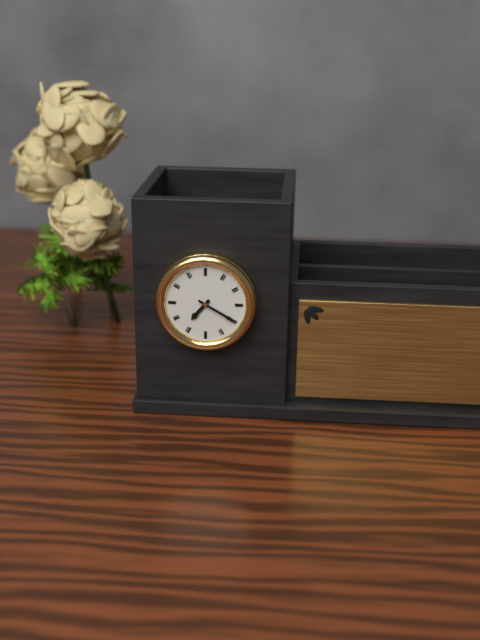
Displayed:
7,20
